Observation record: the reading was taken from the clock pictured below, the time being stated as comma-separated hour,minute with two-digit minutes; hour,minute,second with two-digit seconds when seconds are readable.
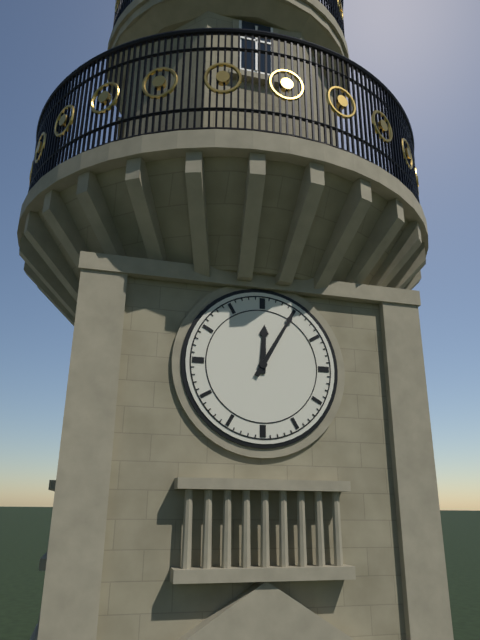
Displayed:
12,05
